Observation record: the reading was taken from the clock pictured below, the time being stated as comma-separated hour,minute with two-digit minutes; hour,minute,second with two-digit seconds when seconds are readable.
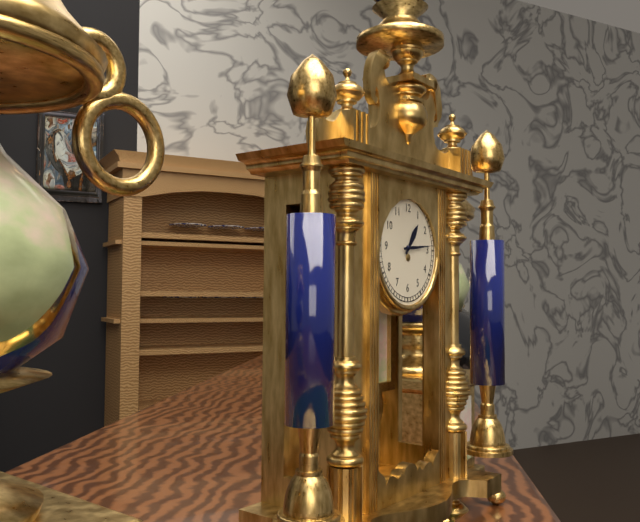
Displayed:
1,14
